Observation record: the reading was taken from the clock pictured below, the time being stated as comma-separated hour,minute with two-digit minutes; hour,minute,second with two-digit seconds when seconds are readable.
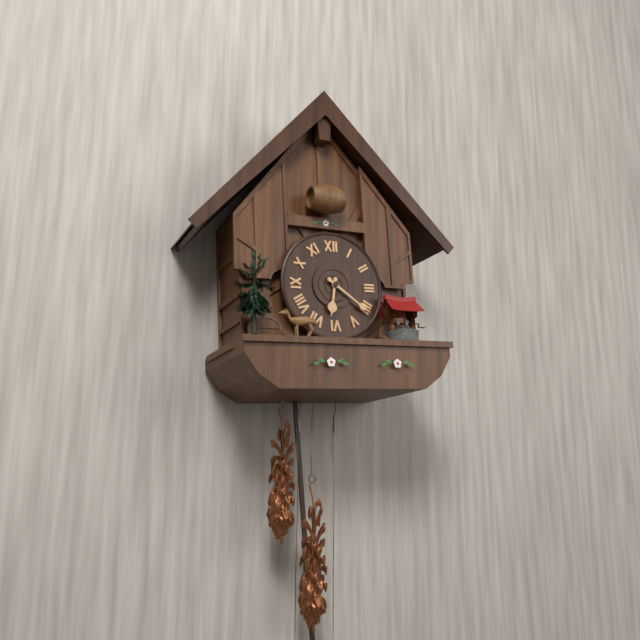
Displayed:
6,21
